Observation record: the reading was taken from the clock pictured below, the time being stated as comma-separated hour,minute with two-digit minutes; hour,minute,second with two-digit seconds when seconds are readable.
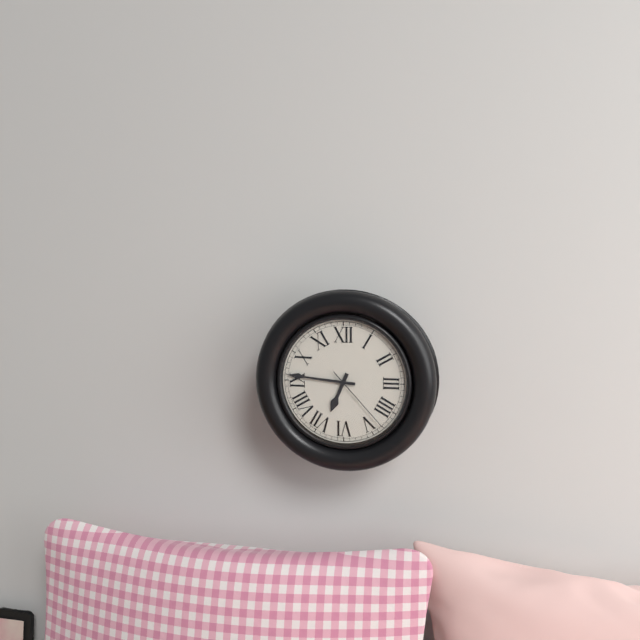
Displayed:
6,46,23
